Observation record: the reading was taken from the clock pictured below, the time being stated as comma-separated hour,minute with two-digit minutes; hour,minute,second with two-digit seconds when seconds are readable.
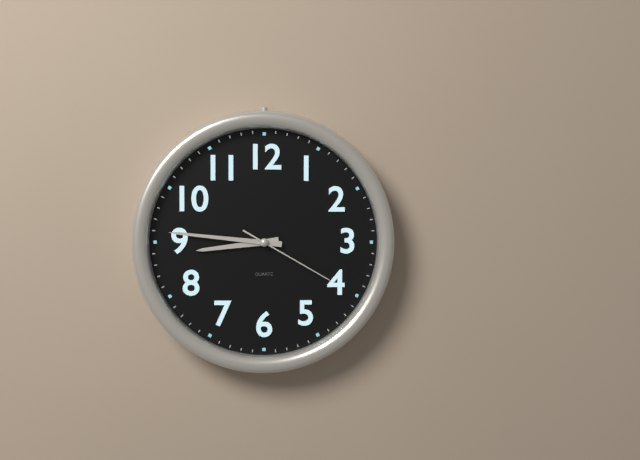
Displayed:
8,46,20
